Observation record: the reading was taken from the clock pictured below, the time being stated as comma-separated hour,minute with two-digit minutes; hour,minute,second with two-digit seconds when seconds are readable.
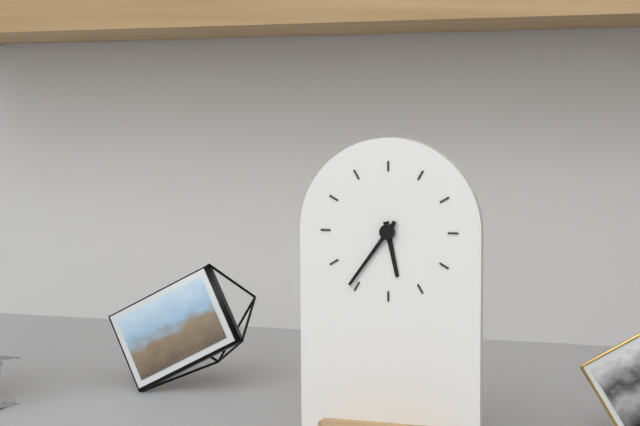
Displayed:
5,36
